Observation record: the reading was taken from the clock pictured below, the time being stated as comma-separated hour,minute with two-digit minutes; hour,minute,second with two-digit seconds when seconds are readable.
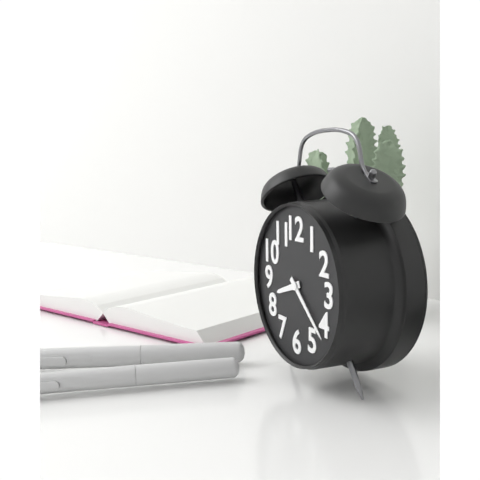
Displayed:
8,22
